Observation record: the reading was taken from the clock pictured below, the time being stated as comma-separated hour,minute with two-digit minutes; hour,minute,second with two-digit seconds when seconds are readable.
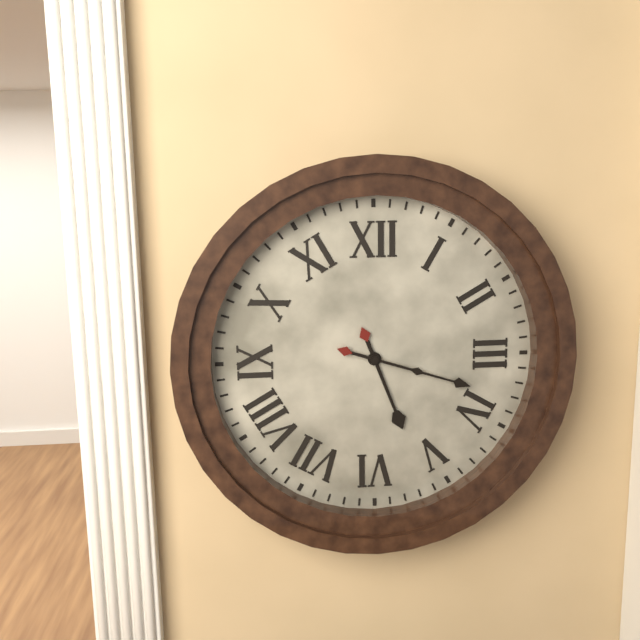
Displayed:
5,18
